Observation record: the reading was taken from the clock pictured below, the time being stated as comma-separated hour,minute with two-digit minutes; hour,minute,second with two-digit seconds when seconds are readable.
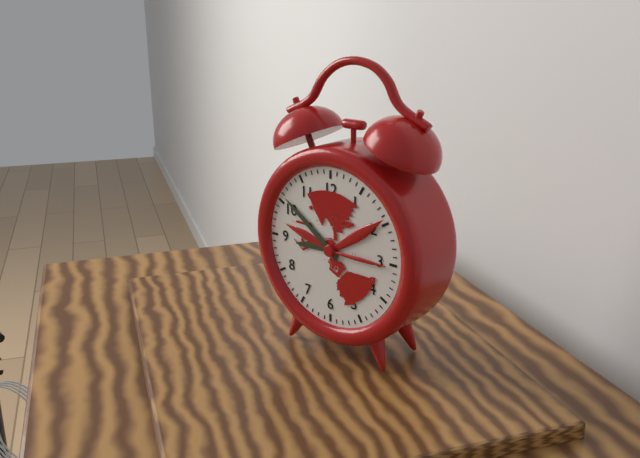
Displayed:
8,51
